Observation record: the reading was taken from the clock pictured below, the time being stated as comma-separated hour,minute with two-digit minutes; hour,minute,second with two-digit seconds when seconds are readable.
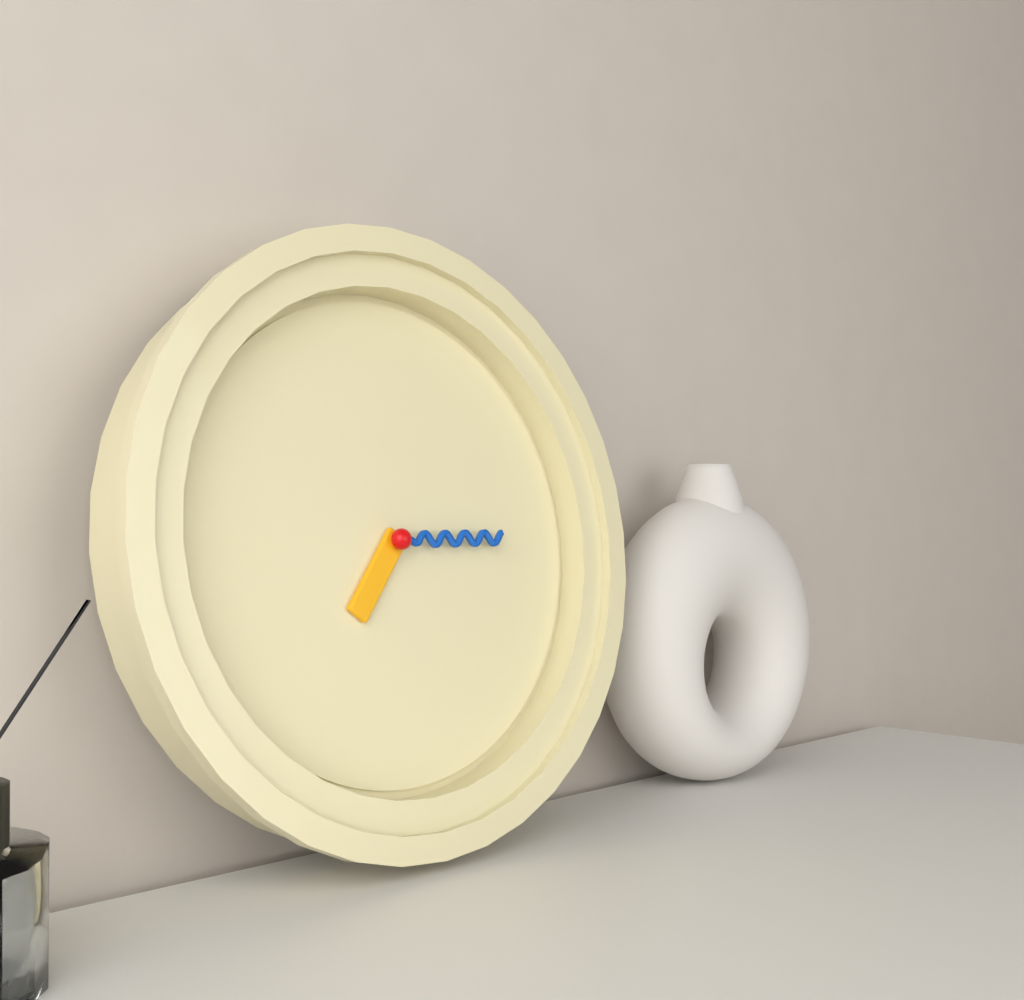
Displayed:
7,15
